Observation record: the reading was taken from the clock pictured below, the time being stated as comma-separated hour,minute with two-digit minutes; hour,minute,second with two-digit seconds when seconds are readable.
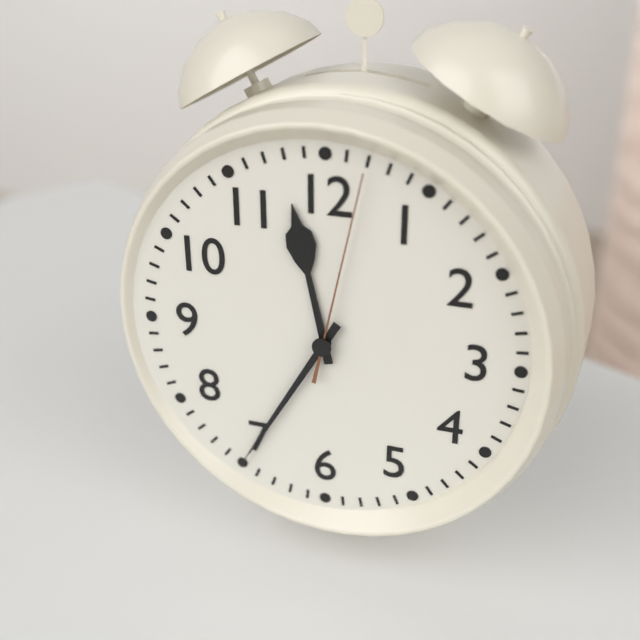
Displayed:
11,35,02
